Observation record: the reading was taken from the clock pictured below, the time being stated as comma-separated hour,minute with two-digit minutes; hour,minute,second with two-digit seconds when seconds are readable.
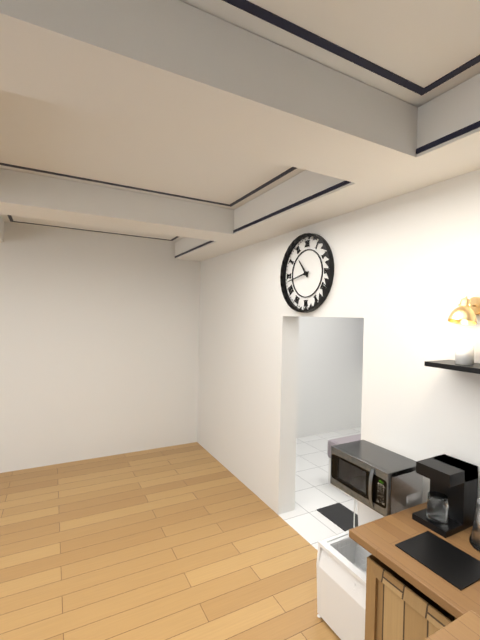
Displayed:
10,43
